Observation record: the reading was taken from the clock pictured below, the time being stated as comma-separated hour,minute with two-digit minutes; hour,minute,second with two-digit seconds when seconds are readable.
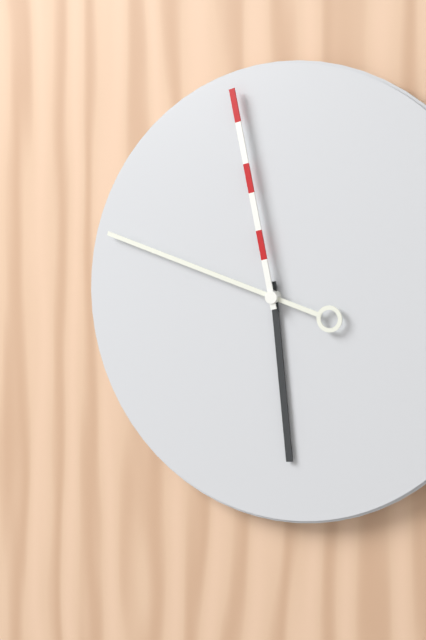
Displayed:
5,48,58
